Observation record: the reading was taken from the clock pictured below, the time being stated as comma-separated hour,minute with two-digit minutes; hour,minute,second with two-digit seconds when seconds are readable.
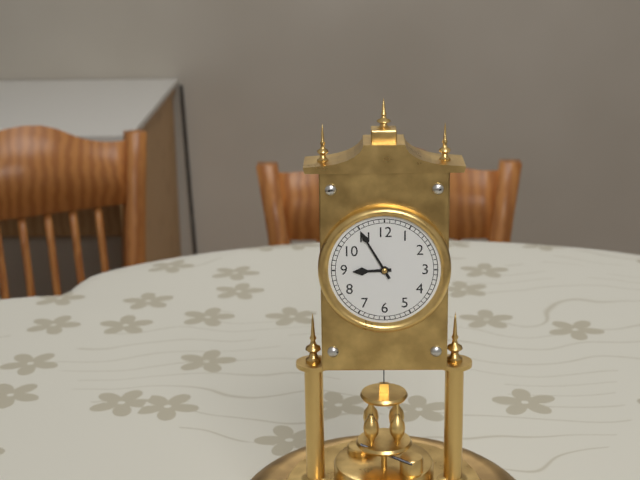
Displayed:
8,55
